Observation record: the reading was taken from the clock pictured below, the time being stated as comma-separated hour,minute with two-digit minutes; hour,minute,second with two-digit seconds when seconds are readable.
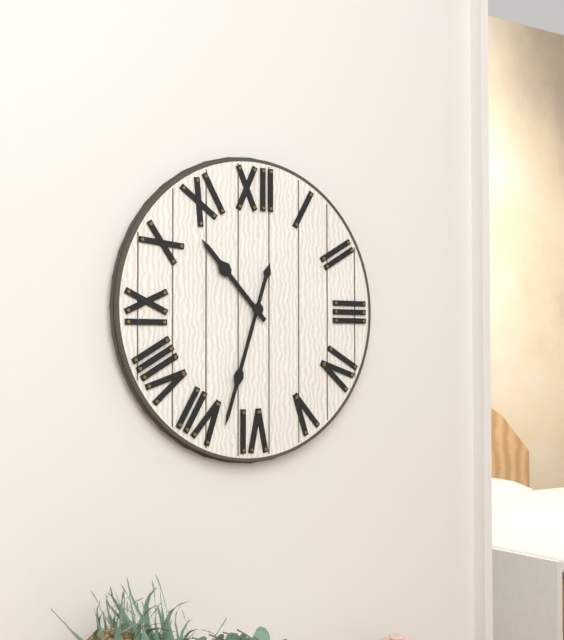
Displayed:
10,33
